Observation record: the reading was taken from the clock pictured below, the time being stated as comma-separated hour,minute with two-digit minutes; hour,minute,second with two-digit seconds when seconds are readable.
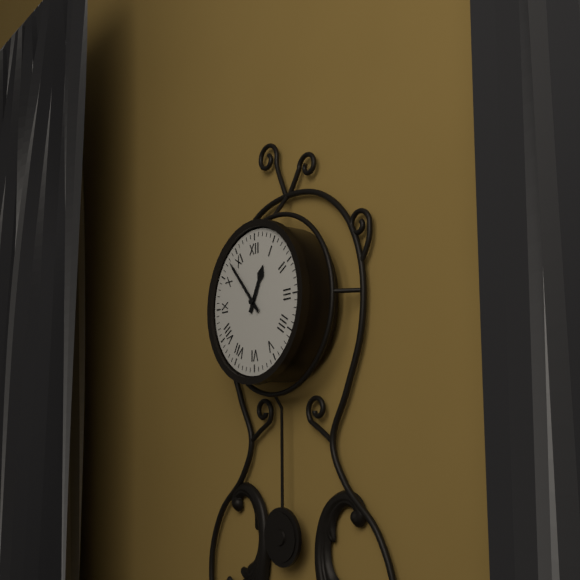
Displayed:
12,53
